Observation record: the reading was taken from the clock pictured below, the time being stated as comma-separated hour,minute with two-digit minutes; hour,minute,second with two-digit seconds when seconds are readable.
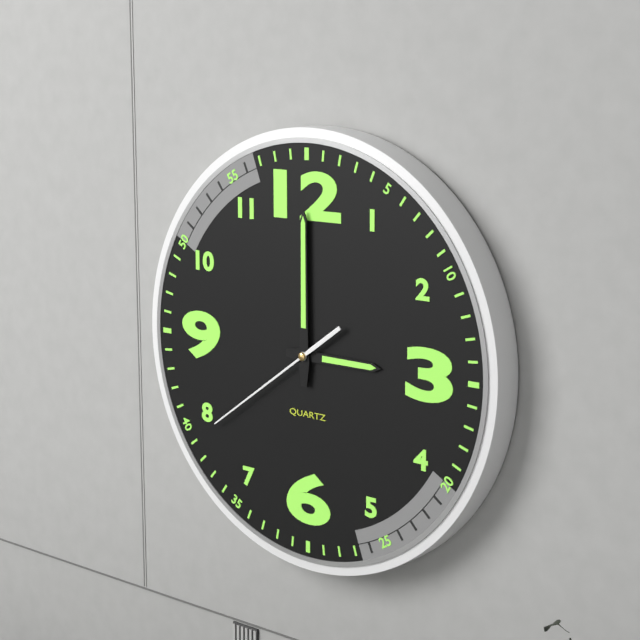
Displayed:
3,00,39
